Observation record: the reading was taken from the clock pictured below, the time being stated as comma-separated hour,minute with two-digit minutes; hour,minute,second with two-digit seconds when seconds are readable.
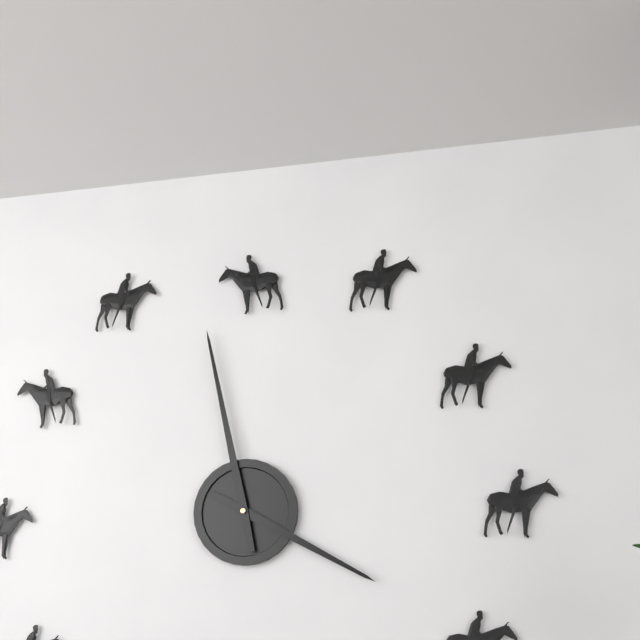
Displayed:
3,58
